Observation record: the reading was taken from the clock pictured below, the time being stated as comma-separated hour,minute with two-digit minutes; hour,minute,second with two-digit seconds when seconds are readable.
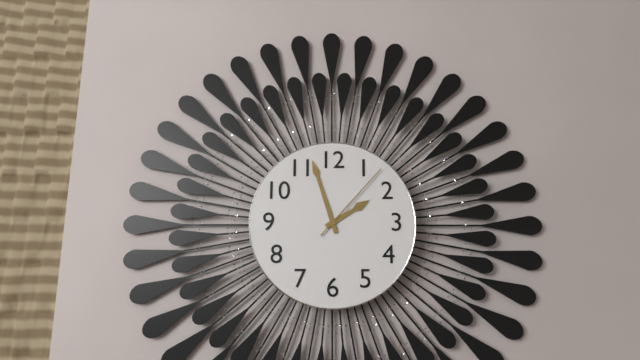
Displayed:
1,57,07
